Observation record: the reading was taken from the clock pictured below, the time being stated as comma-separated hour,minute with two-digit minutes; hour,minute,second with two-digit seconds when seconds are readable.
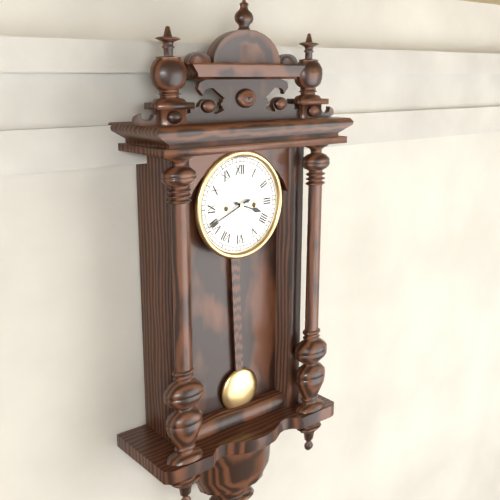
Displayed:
3,41
